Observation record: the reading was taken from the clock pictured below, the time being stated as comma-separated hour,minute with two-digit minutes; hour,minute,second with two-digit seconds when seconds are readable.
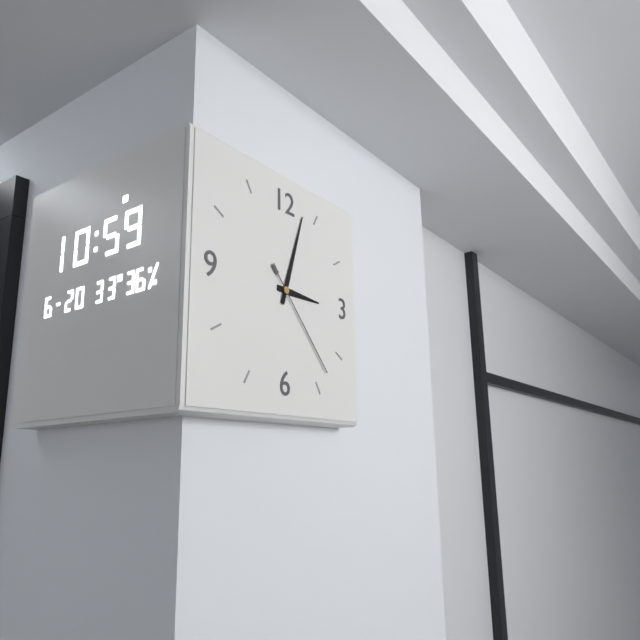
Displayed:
3,03,23
